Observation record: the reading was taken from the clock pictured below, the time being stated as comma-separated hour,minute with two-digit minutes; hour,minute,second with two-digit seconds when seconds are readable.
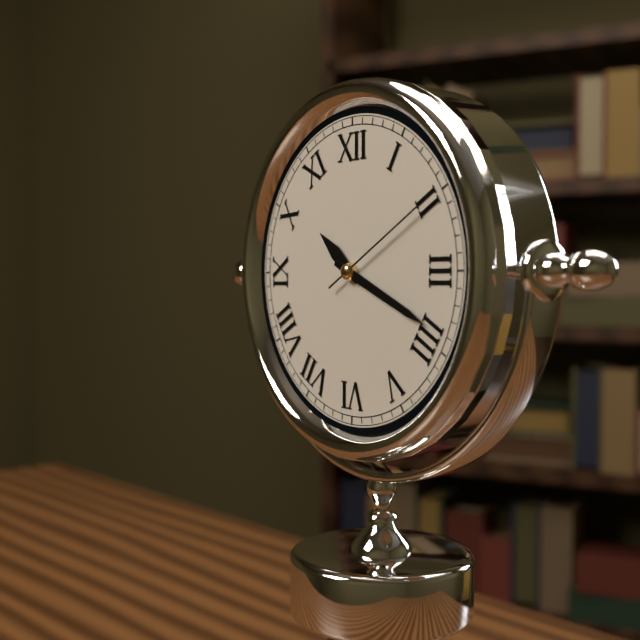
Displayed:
10,19,10
